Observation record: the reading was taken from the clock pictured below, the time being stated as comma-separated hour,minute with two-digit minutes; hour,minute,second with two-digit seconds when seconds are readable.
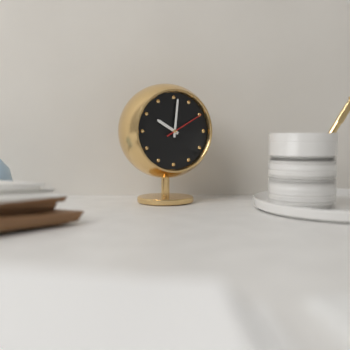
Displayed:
10,01
